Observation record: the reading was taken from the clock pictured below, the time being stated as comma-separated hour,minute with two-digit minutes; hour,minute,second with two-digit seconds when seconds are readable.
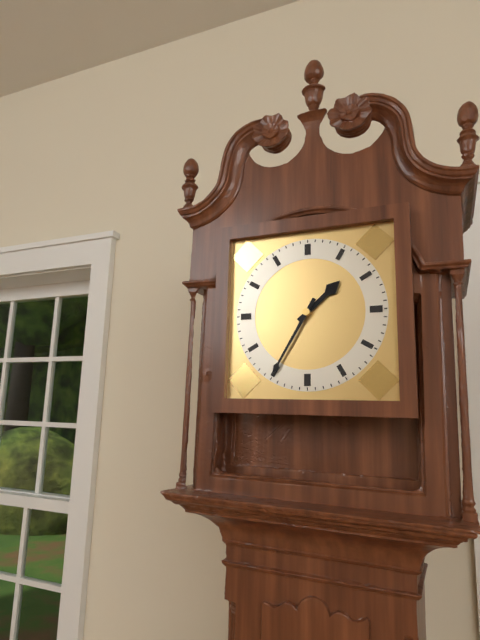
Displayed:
1,35
